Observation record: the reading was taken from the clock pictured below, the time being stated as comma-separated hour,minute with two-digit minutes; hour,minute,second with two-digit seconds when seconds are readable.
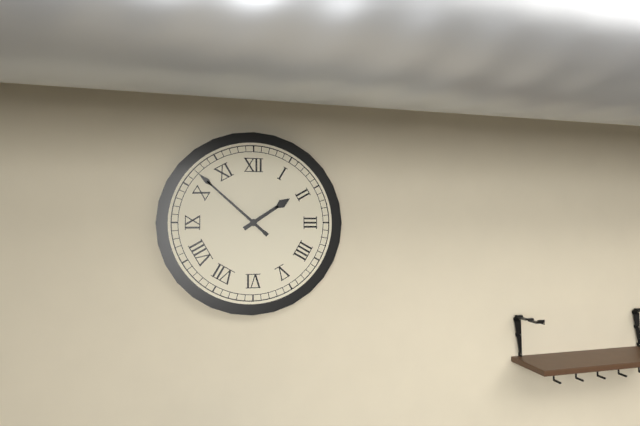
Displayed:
1,52
